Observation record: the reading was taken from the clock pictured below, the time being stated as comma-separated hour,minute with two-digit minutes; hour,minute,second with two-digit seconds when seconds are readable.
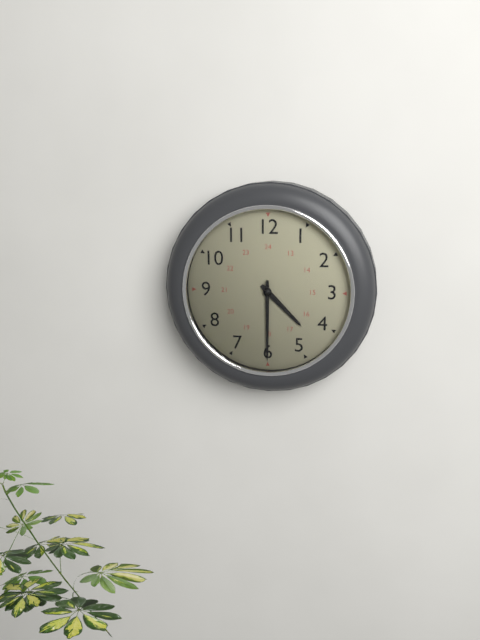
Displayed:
4,30
